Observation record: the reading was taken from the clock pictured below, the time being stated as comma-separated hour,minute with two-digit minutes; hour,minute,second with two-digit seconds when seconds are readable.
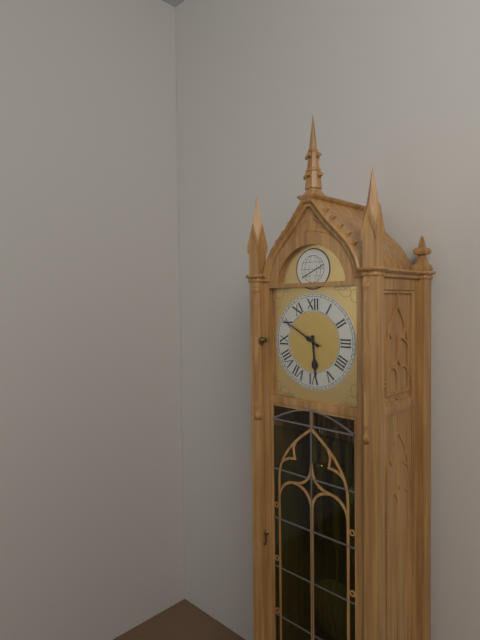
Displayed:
5,50
